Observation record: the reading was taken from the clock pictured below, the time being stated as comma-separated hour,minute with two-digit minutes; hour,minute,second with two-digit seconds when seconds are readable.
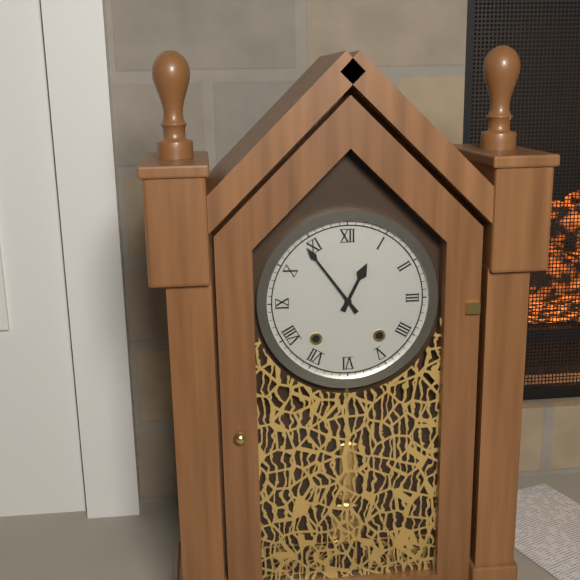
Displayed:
12,54
